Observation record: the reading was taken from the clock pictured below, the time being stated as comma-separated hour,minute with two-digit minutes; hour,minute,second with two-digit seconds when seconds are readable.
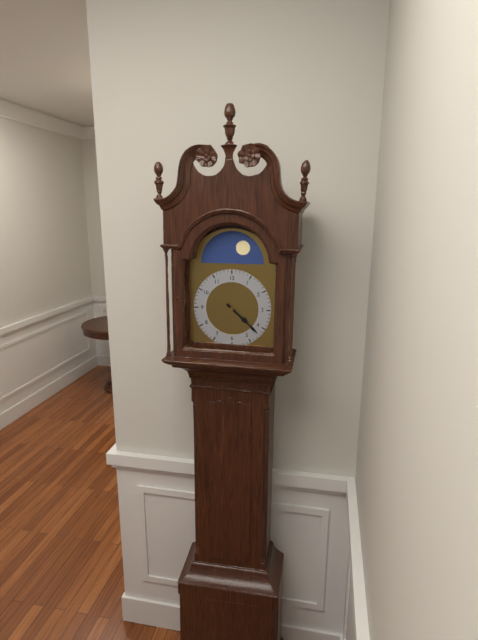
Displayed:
4,22
